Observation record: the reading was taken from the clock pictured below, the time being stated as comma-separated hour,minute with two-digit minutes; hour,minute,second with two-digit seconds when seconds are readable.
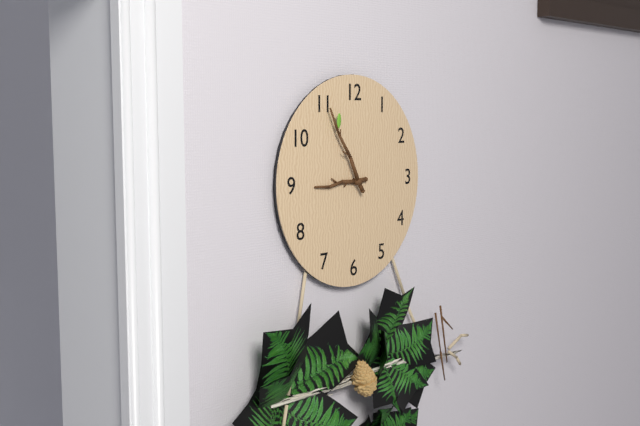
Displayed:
8,55
